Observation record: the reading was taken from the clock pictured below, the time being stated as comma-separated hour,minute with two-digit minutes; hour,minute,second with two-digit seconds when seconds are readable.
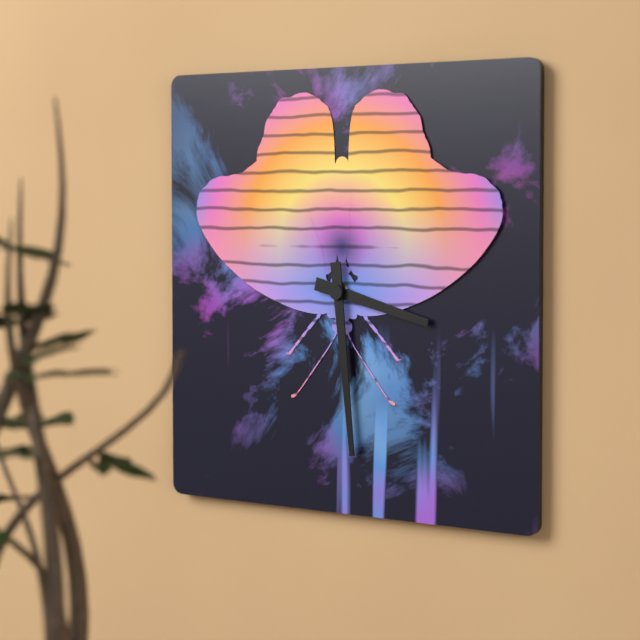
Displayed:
3,29
